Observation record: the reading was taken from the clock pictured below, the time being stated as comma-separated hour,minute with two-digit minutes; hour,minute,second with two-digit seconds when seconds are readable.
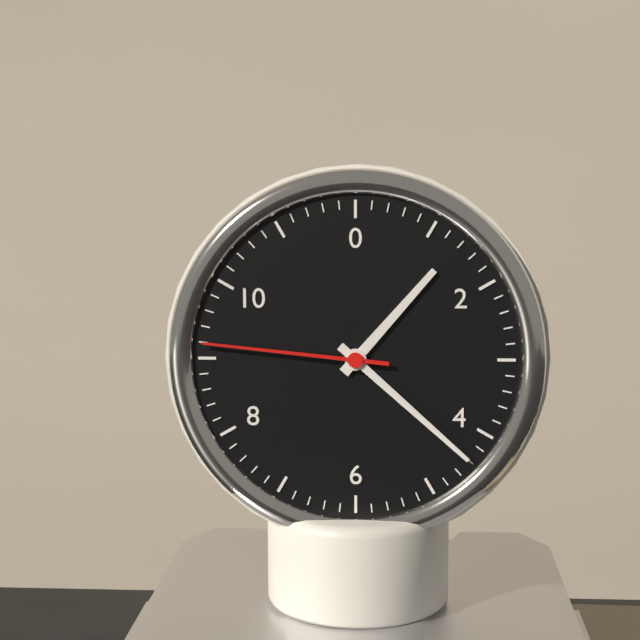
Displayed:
1,22,46
